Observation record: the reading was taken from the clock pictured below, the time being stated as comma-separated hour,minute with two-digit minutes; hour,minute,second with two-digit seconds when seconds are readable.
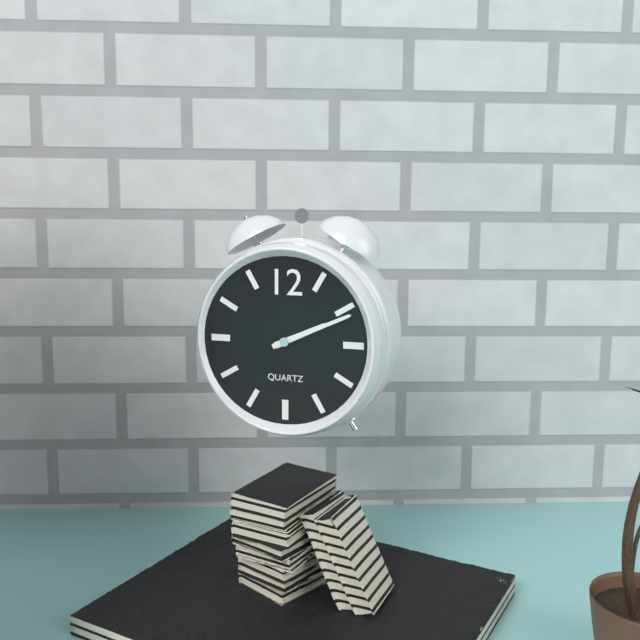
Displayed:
2,11
